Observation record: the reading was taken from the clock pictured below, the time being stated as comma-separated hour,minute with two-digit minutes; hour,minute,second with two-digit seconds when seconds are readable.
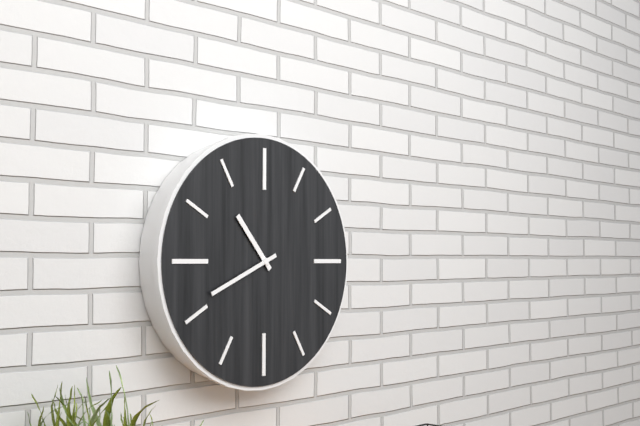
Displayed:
10,41
